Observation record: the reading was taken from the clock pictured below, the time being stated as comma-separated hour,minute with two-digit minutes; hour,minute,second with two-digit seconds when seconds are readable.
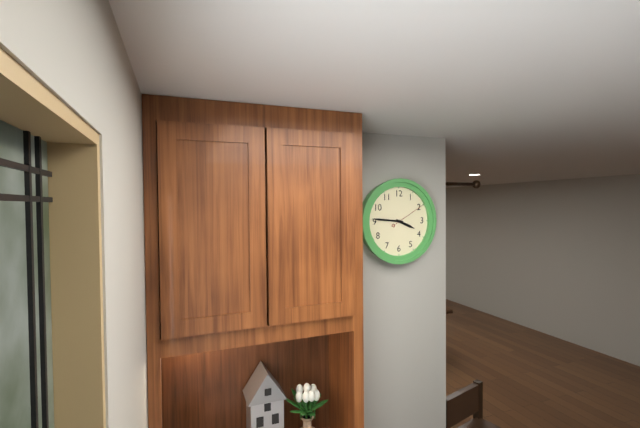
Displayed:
3,46
